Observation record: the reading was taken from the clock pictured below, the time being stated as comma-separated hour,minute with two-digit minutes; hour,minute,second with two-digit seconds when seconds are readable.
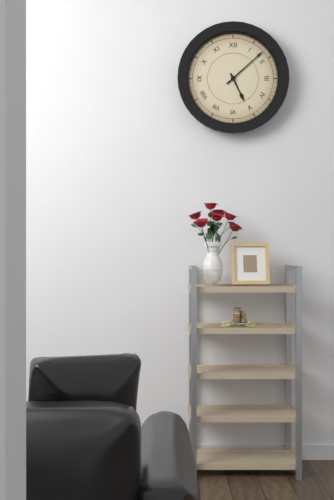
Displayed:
5,08
